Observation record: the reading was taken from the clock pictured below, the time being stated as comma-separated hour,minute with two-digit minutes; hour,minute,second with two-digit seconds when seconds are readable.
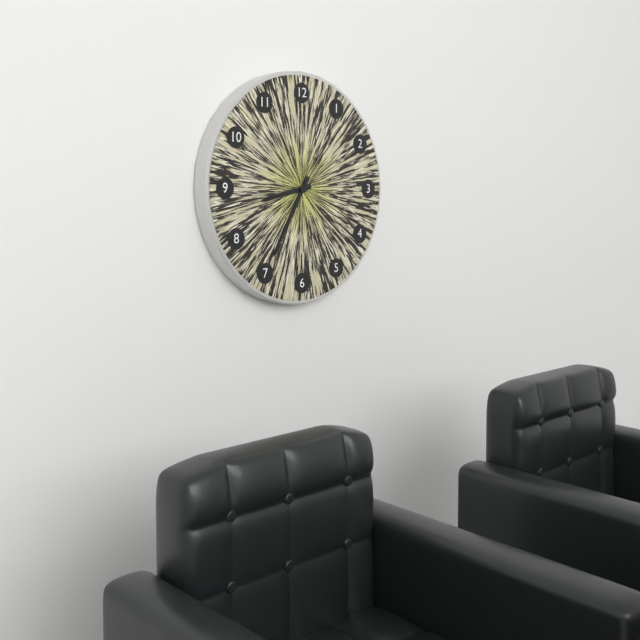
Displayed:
8,35
